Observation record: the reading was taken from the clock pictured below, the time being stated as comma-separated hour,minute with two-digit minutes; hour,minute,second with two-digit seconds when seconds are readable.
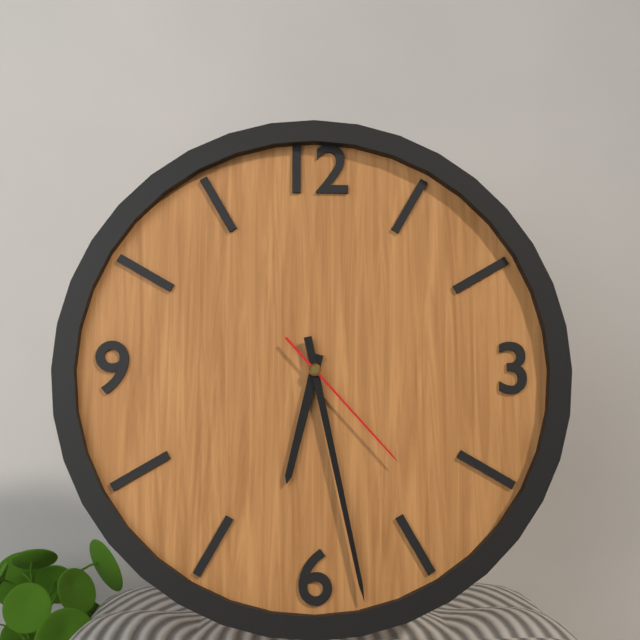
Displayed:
6,28,23
